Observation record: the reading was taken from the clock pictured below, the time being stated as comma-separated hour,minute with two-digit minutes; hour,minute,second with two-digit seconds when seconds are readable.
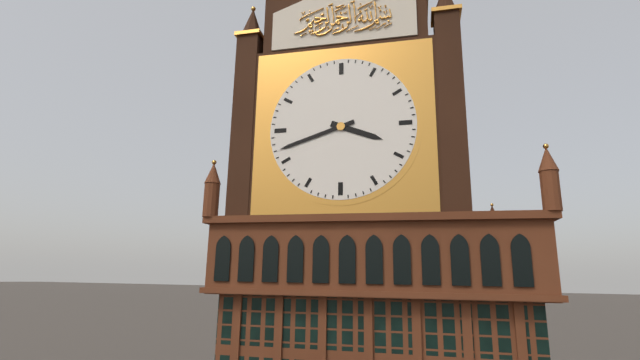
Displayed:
3,42
